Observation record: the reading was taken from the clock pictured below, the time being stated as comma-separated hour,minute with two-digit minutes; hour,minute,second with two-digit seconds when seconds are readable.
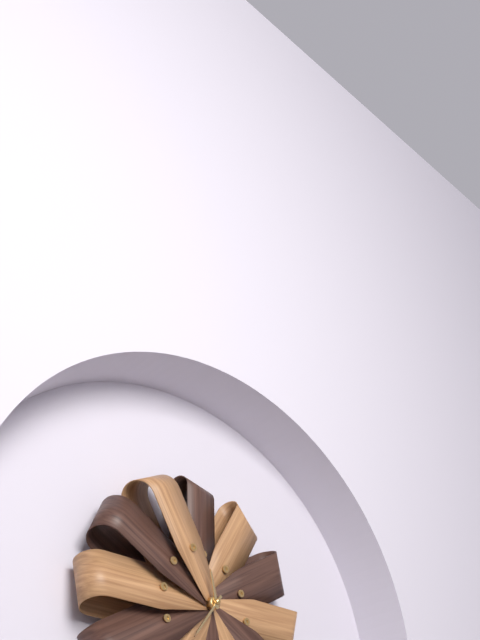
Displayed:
11,36
